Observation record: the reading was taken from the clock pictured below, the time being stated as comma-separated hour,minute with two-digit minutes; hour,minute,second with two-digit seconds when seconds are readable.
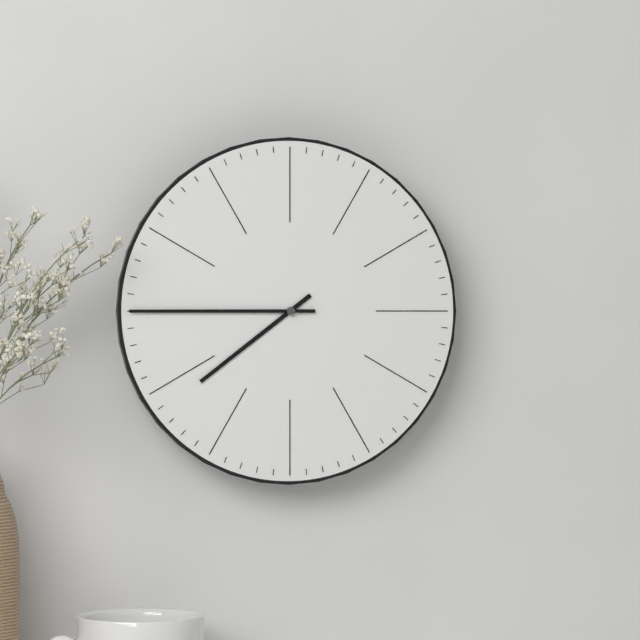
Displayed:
7,45
